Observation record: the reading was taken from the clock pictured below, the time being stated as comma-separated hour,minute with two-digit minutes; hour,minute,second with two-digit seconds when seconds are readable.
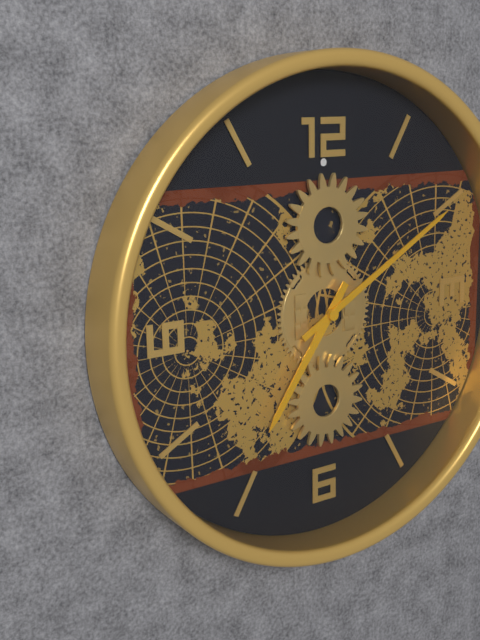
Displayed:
7,10
